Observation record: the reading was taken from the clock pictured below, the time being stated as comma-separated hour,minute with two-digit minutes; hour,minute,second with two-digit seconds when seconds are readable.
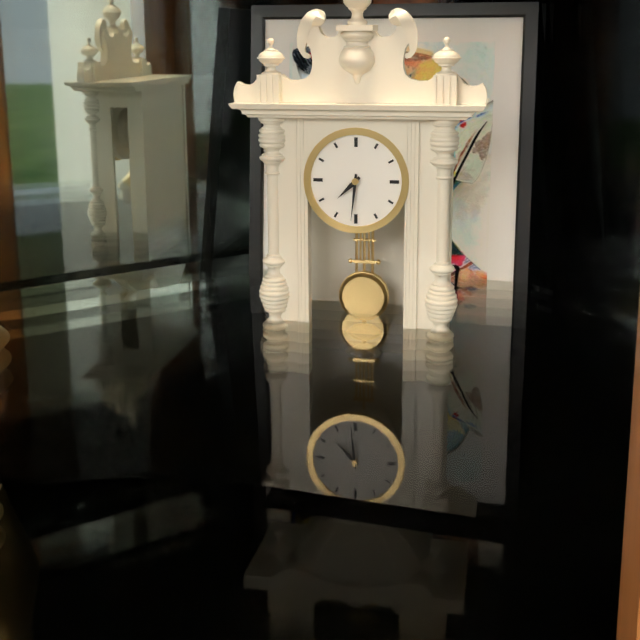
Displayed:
7,31
